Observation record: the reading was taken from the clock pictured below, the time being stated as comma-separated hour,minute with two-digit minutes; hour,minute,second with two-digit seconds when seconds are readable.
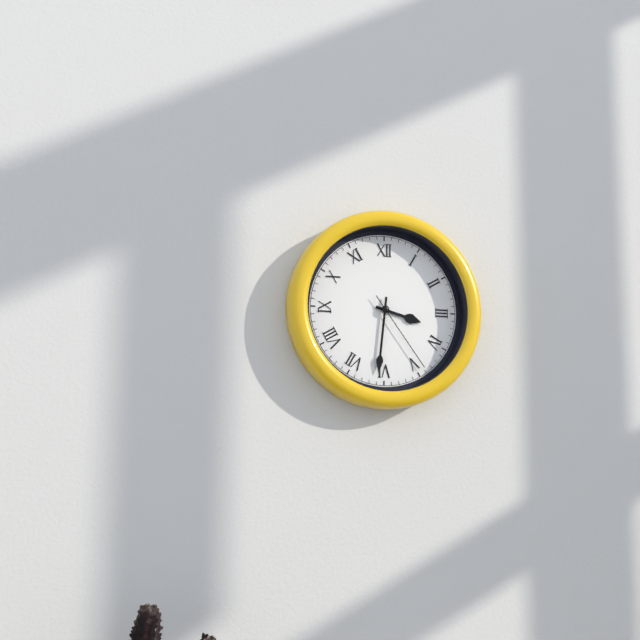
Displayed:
3,31,24
